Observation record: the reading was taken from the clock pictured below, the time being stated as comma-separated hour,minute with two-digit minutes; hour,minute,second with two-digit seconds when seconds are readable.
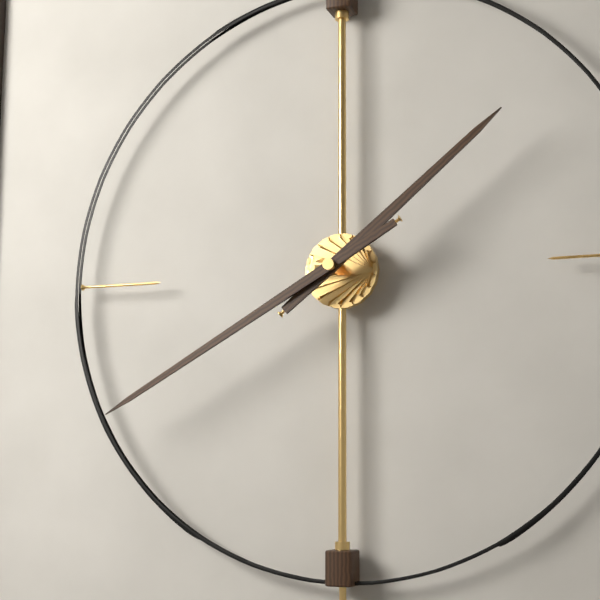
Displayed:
1,40
